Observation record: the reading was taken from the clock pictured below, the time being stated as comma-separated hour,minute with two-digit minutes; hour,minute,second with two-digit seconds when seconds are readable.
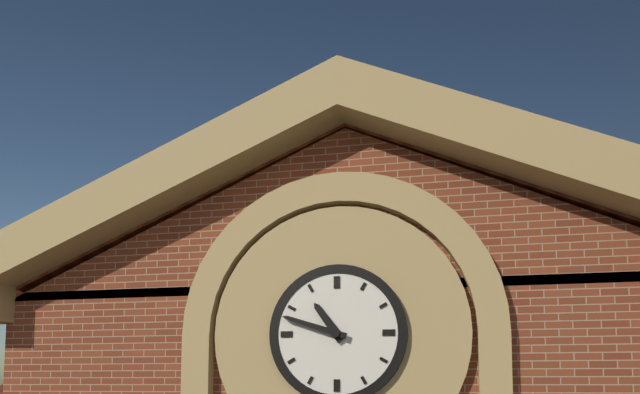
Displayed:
10,48
